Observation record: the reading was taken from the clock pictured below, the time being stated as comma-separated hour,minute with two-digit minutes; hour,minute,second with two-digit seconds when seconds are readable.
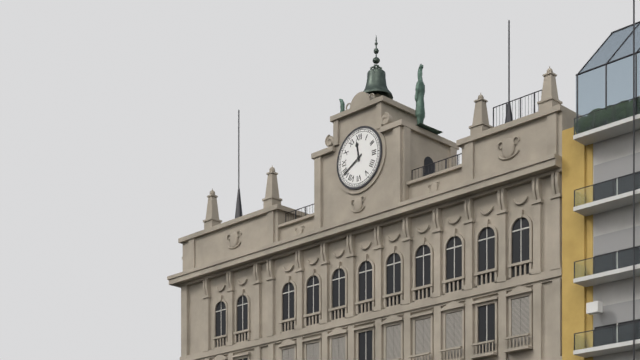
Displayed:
11,40
